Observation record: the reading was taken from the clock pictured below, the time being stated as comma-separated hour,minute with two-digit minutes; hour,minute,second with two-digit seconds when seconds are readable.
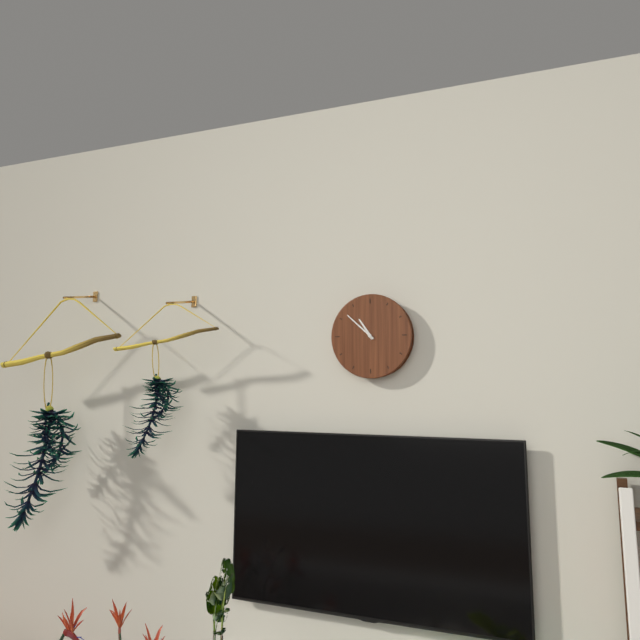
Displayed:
10,52
